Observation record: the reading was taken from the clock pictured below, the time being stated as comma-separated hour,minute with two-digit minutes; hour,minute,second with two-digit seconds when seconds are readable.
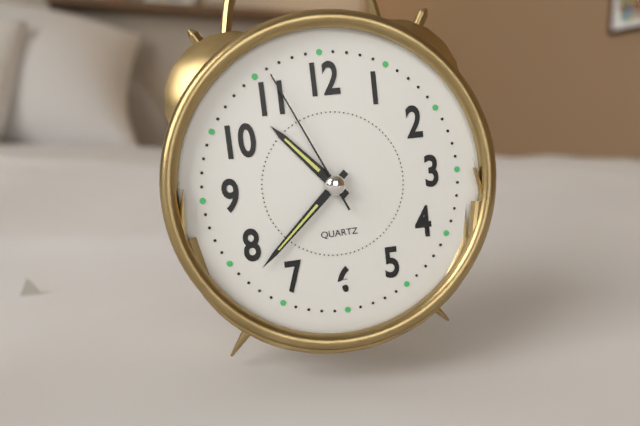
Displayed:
10,38,56
